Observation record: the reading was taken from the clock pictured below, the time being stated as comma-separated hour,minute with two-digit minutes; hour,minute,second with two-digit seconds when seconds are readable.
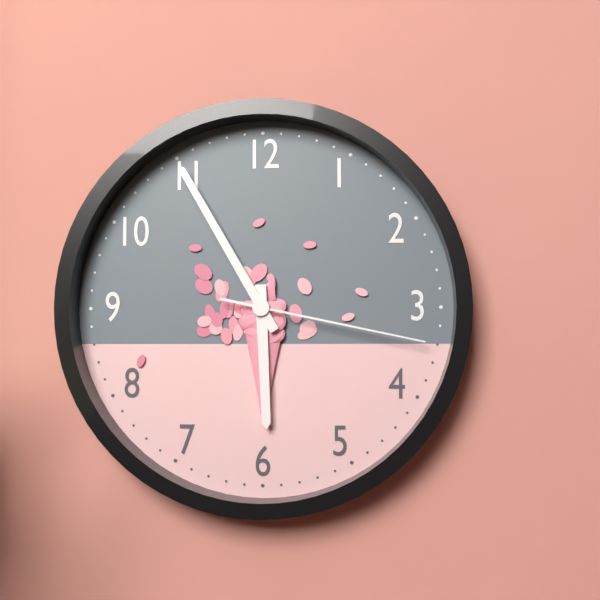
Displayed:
5,55,17
